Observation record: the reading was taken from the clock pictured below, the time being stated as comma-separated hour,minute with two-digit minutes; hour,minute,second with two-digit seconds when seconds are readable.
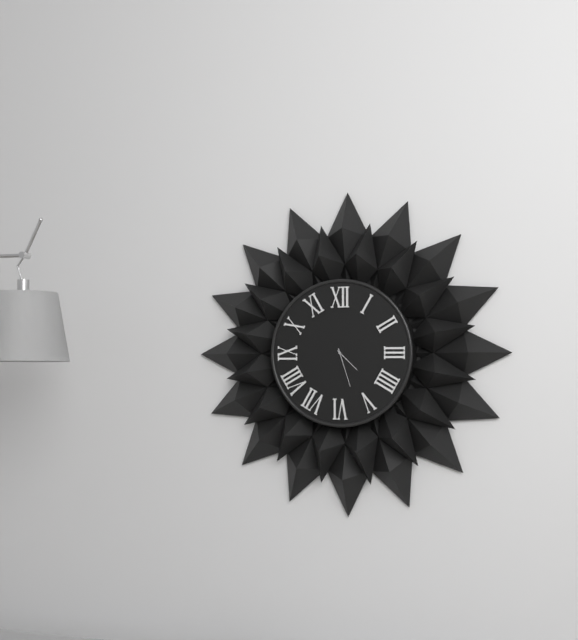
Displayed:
4,27
